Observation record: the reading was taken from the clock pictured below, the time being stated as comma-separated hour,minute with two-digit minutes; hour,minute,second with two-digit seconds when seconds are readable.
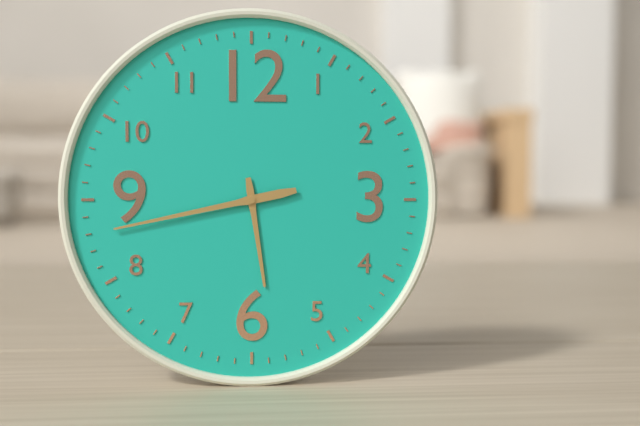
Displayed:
5,43
